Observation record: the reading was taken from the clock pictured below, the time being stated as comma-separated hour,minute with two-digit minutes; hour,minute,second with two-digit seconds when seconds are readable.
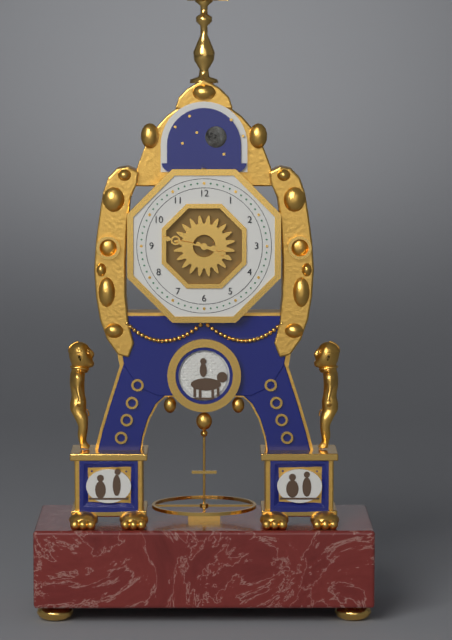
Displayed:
3,47
